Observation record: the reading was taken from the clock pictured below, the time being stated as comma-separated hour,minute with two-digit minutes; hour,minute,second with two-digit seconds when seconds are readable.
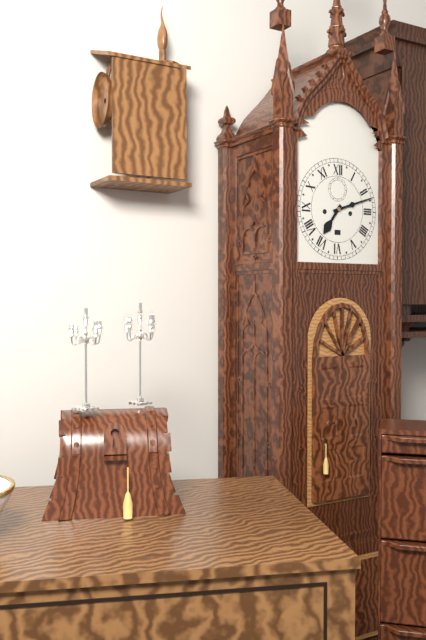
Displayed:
7,12
